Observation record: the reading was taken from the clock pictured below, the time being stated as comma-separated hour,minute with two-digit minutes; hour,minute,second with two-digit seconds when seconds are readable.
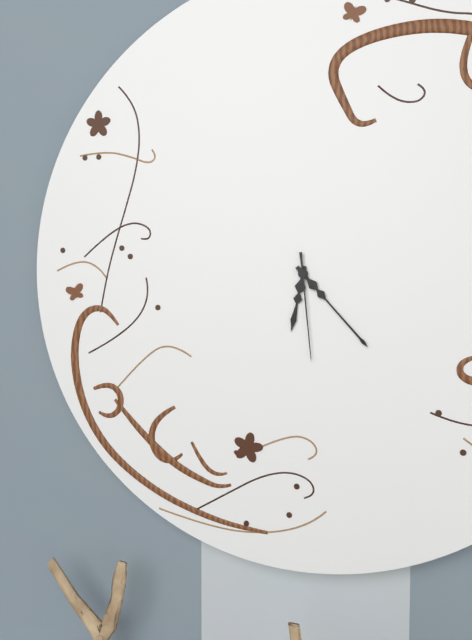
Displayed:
6,23,29
